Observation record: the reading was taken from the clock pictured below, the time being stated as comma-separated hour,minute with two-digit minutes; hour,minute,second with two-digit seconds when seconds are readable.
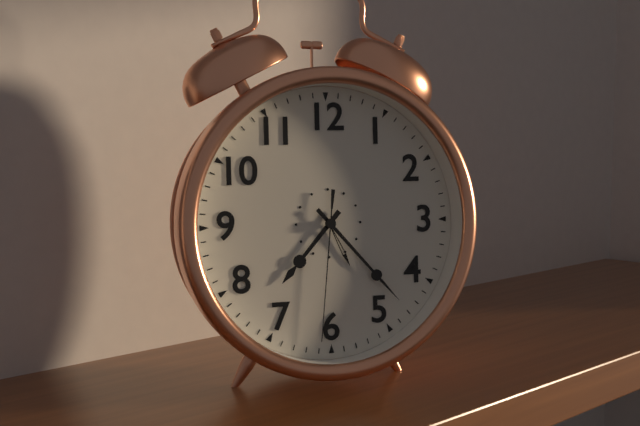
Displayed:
7,23,31
